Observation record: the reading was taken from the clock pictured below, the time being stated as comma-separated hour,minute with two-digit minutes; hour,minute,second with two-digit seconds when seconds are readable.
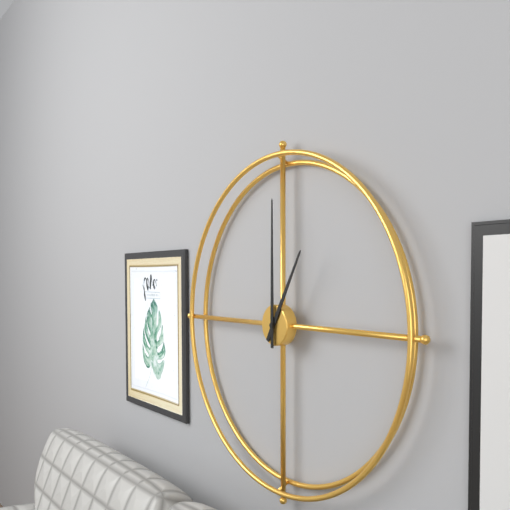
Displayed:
1,00
